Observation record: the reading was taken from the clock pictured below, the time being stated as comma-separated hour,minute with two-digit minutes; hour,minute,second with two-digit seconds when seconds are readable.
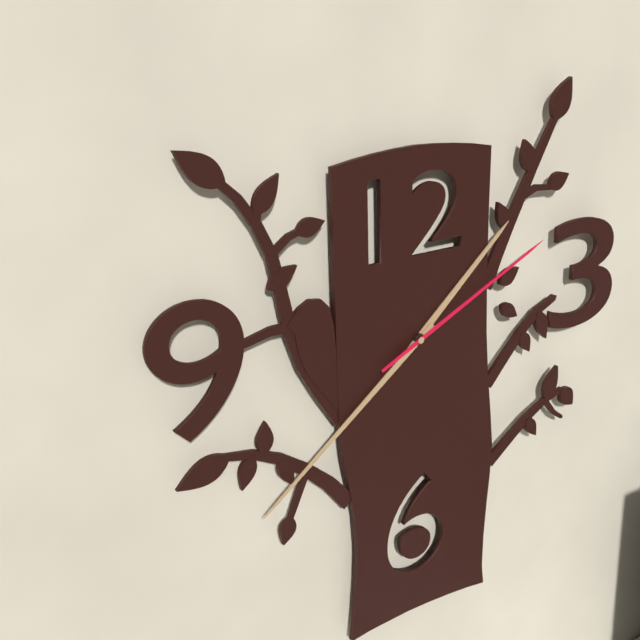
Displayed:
1,39,11
